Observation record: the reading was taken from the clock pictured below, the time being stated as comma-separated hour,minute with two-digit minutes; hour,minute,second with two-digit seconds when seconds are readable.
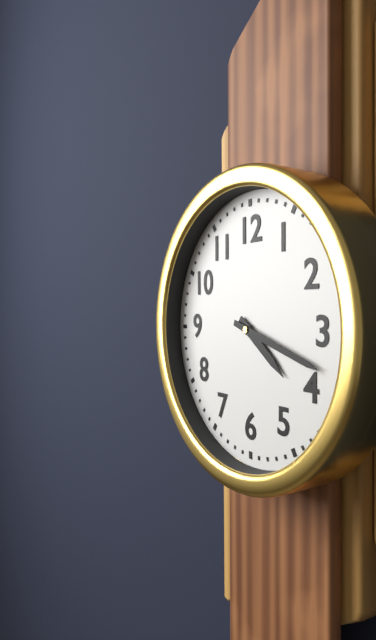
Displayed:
4,18
